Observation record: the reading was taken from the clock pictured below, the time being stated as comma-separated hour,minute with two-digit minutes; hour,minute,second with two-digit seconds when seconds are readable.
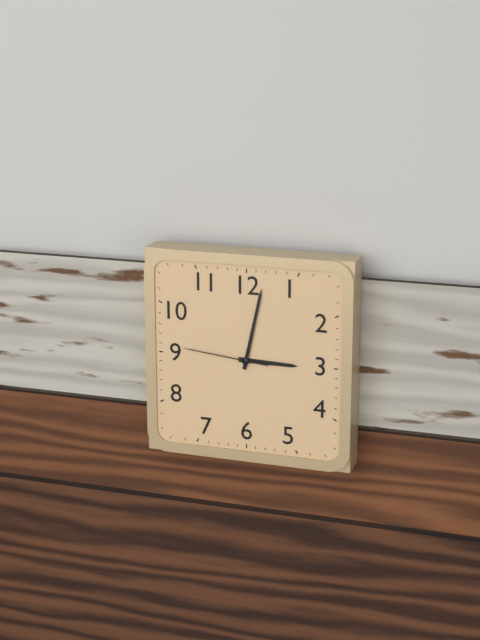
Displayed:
3,02,46
